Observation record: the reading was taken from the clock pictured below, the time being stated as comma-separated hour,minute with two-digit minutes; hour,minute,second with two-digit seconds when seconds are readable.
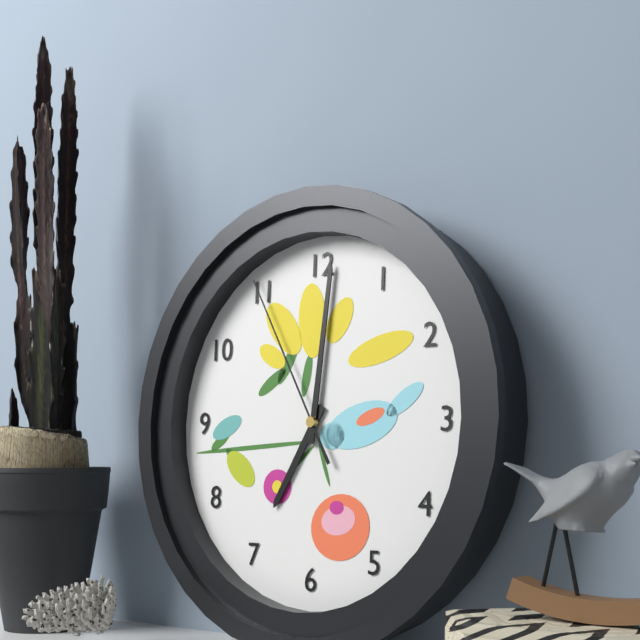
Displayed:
7,01,55
